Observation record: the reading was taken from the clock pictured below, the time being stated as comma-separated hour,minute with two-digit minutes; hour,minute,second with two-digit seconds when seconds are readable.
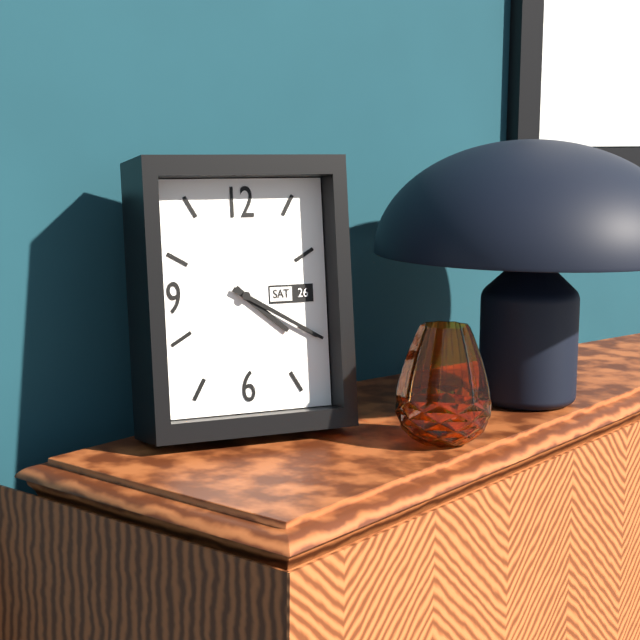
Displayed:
4,20
